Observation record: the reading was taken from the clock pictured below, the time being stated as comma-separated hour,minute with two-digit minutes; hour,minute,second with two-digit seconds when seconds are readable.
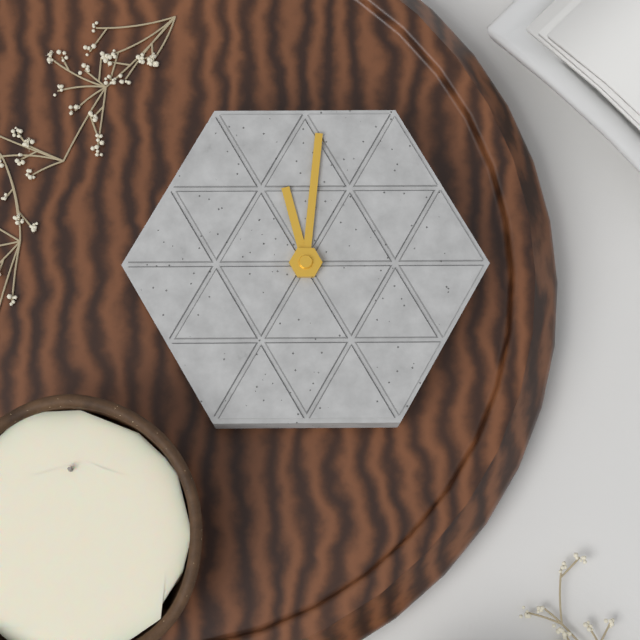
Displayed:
5,31
